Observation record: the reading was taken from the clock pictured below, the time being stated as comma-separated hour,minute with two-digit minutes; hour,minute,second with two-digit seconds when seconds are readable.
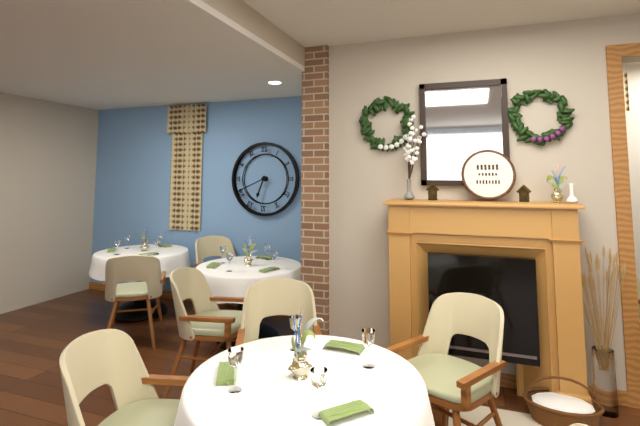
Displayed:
6,41
